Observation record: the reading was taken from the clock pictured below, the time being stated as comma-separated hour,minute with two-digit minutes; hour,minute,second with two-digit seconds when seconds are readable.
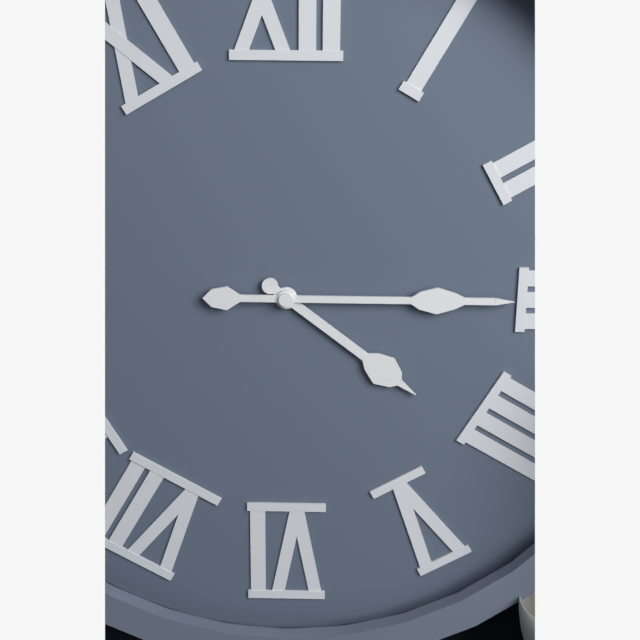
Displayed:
4,15
